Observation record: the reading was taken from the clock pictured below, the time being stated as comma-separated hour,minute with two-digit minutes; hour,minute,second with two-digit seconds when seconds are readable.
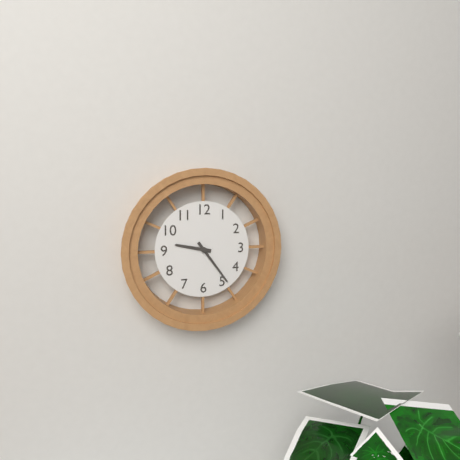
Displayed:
9,24
